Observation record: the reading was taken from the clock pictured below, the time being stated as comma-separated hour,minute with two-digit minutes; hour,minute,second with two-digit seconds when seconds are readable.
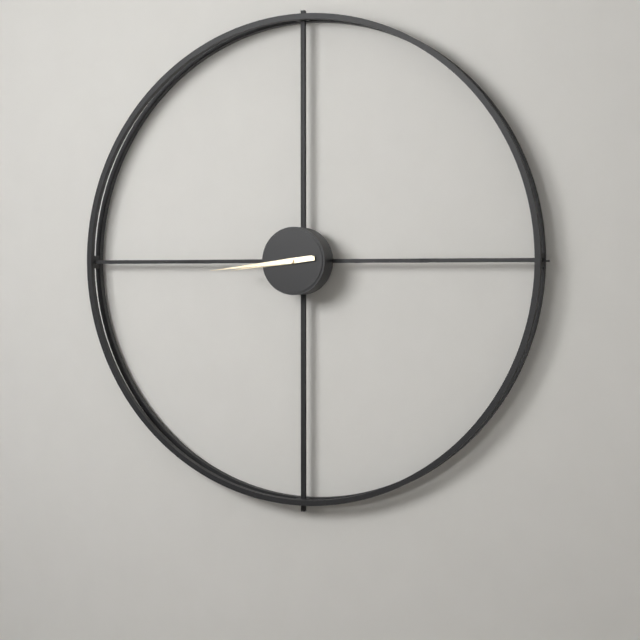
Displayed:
8,44
